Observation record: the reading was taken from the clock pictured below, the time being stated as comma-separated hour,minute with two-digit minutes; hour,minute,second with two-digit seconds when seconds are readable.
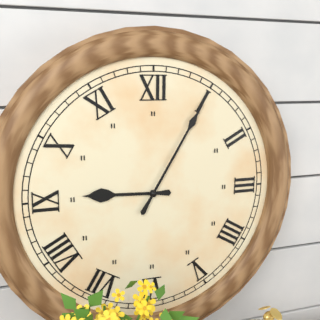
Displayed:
9,05
